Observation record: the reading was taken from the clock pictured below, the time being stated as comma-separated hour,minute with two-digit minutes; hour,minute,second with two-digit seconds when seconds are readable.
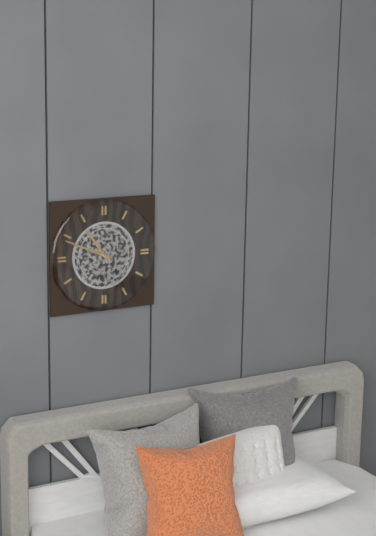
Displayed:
10,49
